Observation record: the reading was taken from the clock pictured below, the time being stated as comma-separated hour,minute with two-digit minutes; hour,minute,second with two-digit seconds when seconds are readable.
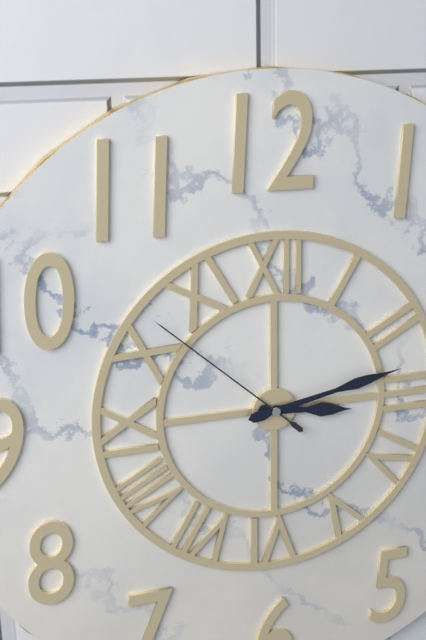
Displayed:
3,13,52
